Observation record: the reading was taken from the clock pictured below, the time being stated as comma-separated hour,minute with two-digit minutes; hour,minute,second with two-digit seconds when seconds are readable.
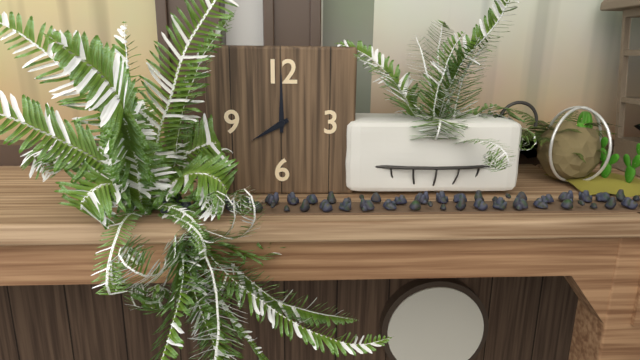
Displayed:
8,00
